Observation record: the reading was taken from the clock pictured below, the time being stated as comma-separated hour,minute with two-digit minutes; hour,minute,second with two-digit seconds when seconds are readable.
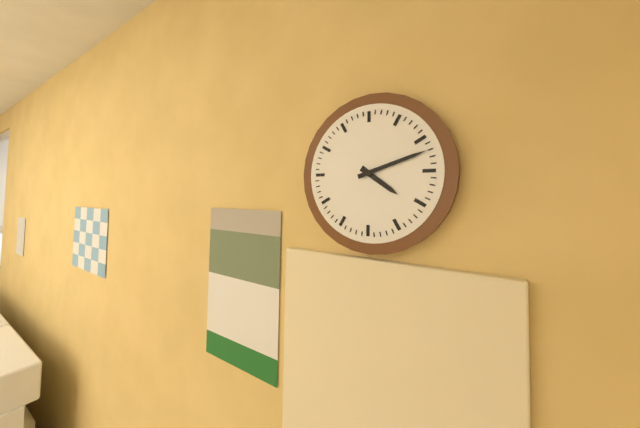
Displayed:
4,12
